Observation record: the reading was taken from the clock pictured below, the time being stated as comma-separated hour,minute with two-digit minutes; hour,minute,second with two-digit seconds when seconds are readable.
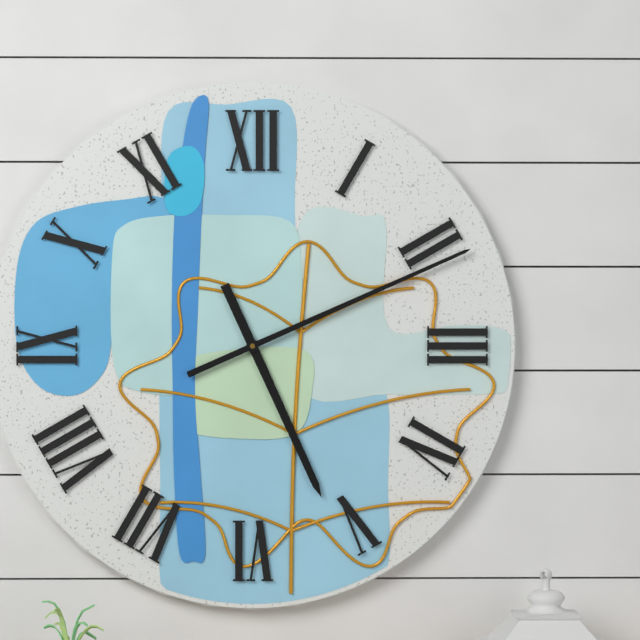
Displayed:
5,11
